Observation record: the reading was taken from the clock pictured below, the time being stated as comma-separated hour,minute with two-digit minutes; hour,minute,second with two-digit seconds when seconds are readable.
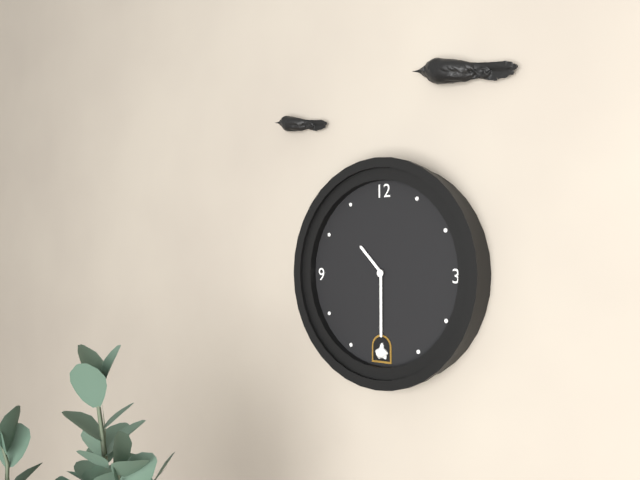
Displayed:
10,30
